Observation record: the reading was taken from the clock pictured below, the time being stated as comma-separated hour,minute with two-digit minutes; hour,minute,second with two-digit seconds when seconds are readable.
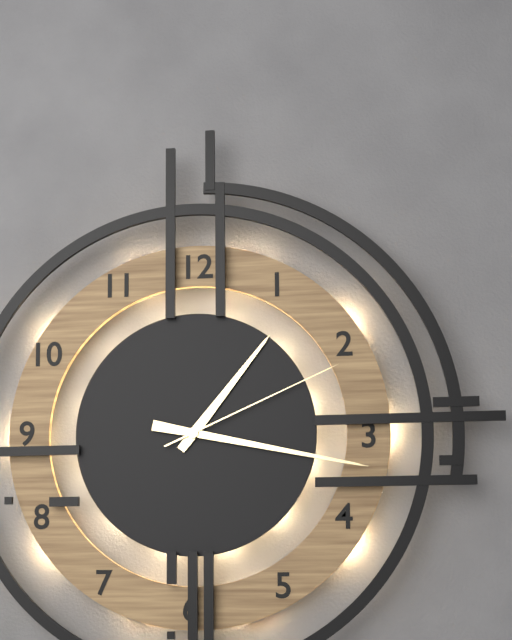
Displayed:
1,17,11
